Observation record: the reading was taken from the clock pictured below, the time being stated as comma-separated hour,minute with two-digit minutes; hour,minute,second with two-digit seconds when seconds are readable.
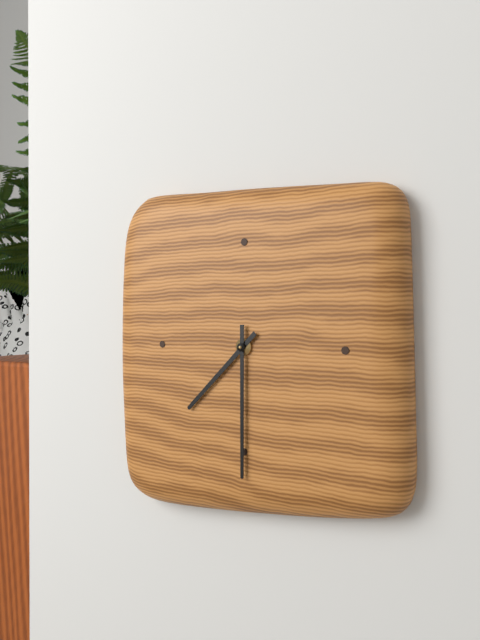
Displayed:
7,30
